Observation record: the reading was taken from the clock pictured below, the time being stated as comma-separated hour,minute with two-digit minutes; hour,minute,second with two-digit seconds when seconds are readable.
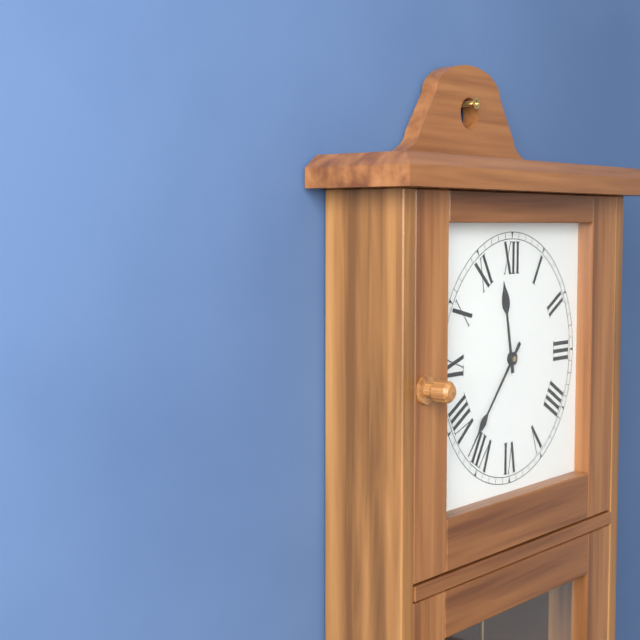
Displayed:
11,37
